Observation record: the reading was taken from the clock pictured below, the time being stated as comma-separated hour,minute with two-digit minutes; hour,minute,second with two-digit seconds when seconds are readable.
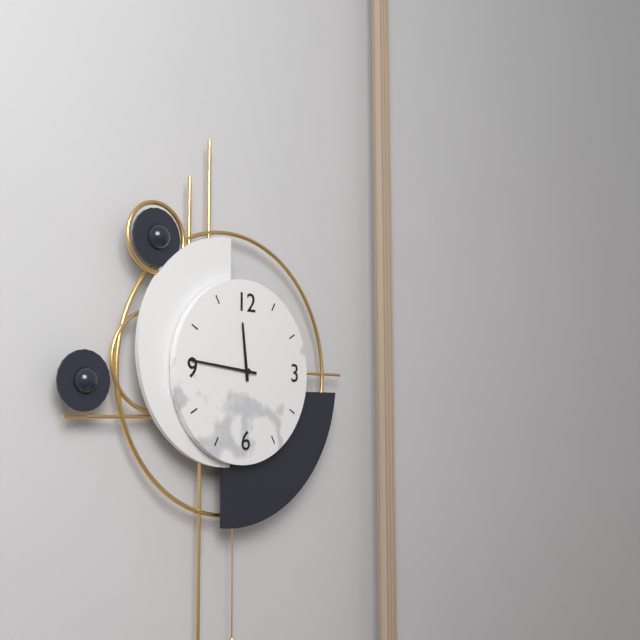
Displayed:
11,46
